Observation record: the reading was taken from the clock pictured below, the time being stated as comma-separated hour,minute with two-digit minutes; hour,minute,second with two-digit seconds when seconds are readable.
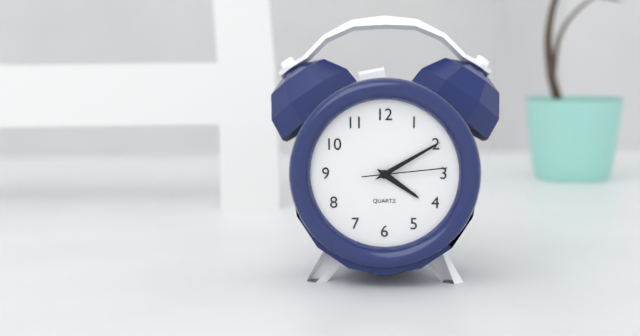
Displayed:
4,10,14
